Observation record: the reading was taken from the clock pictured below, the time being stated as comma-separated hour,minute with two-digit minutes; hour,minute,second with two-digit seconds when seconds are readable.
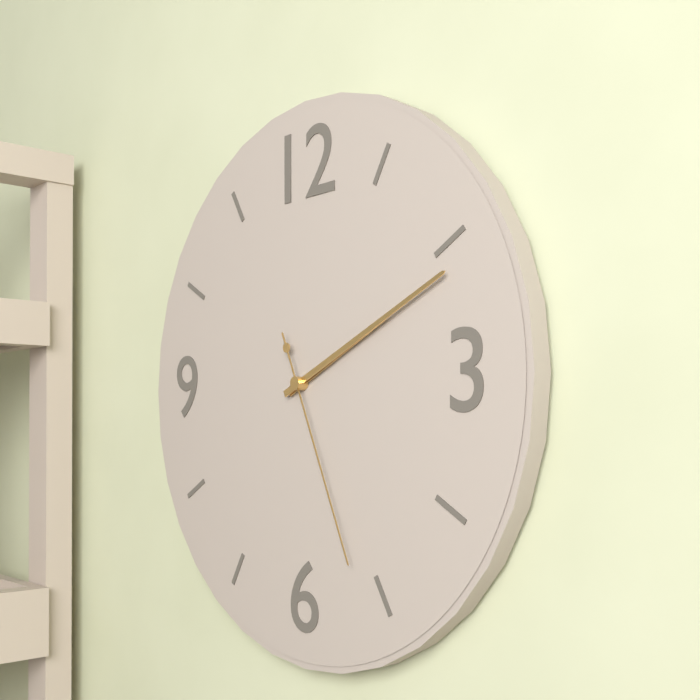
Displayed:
2,11,26
